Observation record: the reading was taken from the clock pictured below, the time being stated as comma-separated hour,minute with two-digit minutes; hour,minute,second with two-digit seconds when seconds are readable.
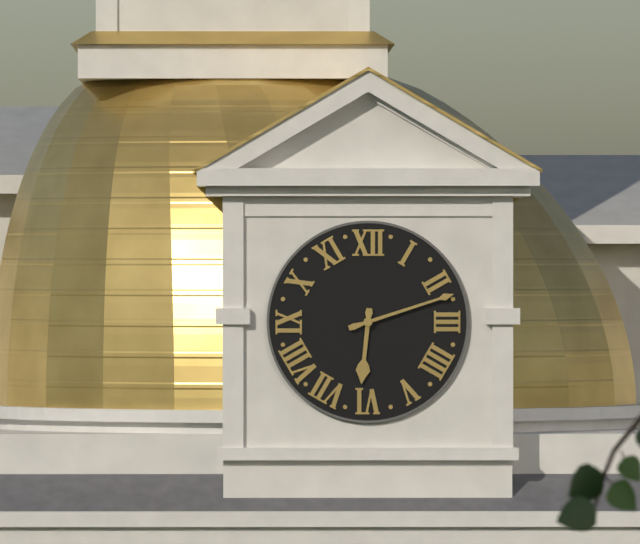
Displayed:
6,12
